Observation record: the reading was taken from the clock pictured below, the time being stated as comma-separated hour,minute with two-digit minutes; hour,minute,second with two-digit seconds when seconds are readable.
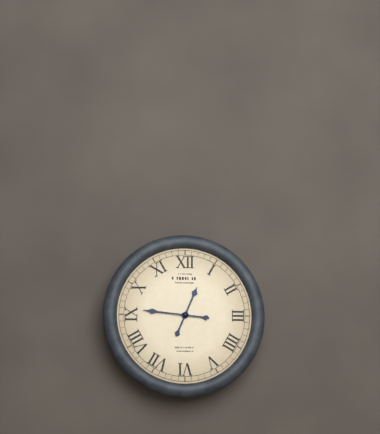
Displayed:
12,46
